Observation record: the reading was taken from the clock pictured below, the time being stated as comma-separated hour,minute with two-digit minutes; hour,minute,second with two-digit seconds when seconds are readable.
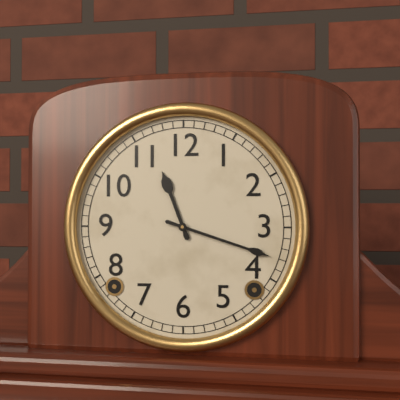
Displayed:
11,18
